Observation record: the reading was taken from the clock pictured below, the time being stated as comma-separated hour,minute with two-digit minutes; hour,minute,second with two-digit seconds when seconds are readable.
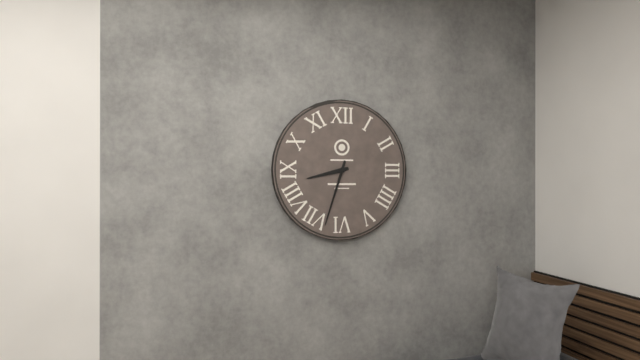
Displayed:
8,33
